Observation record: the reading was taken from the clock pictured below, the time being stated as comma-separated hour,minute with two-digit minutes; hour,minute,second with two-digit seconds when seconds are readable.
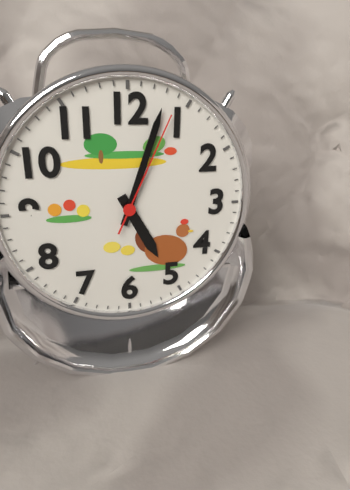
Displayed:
5,03,04
